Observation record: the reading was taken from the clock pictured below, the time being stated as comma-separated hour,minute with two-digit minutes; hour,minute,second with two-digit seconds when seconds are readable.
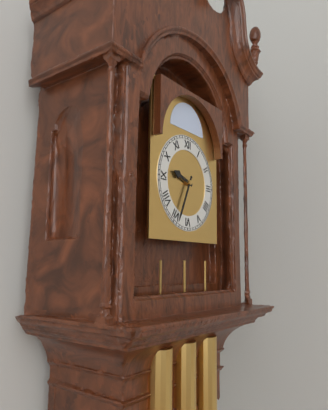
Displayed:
9,34
